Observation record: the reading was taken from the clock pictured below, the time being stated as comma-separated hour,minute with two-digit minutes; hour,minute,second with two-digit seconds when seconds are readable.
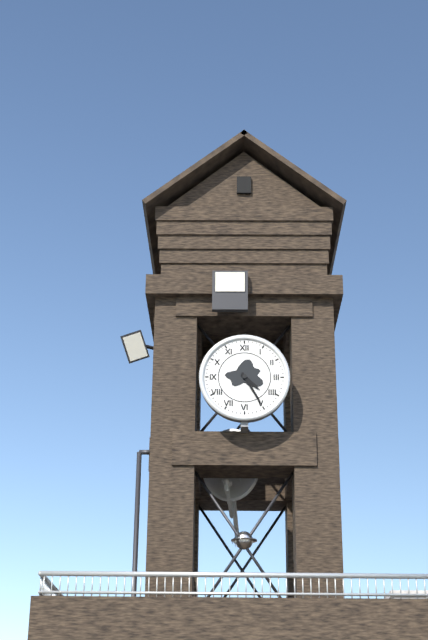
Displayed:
4,25
